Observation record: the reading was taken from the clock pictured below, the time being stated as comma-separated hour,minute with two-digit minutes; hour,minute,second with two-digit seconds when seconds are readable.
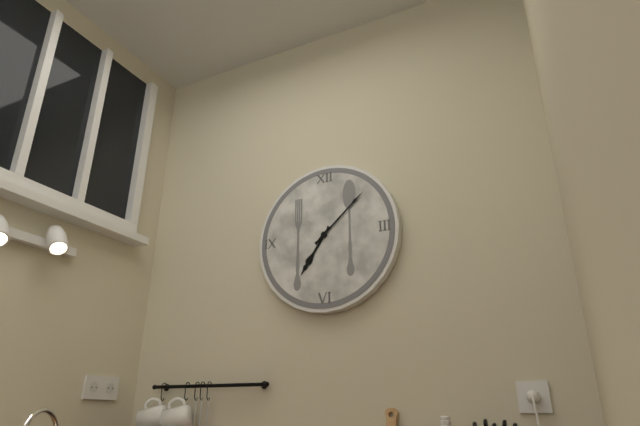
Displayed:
7,08
